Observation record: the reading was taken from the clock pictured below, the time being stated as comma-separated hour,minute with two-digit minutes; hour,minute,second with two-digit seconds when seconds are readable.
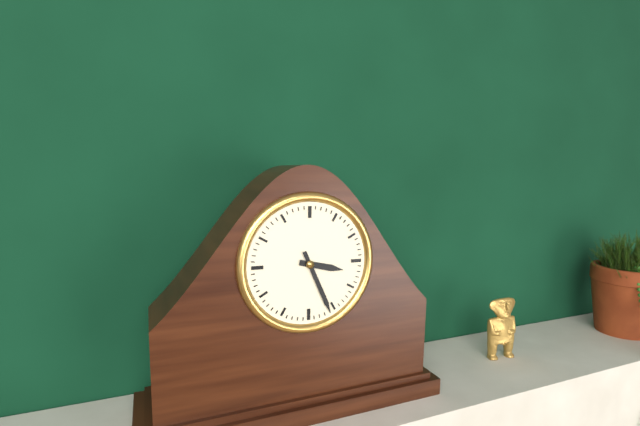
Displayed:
3,26
